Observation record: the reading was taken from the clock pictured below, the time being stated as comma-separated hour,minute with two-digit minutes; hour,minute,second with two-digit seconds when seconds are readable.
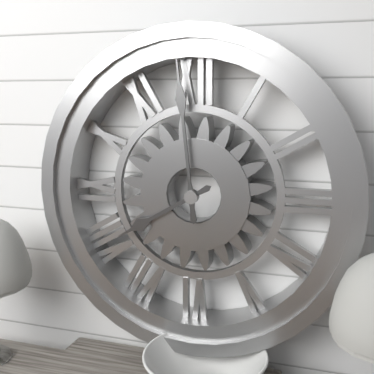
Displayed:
7,59
